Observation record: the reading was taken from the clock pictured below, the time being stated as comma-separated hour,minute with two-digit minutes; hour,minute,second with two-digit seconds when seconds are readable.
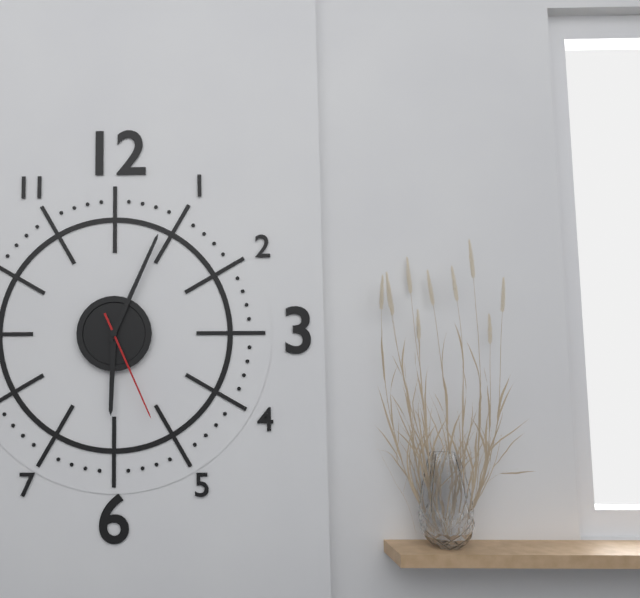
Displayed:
6,04,26
